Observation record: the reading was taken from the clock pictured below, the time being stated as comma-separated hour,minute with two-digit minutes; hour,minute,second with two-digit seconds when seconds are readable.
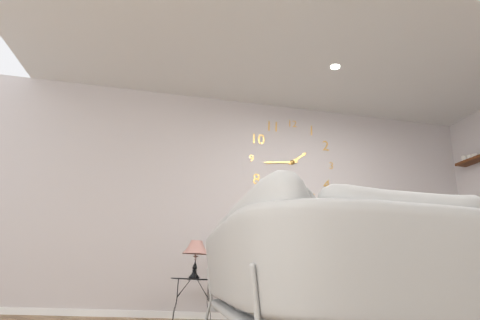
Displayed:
1,44
